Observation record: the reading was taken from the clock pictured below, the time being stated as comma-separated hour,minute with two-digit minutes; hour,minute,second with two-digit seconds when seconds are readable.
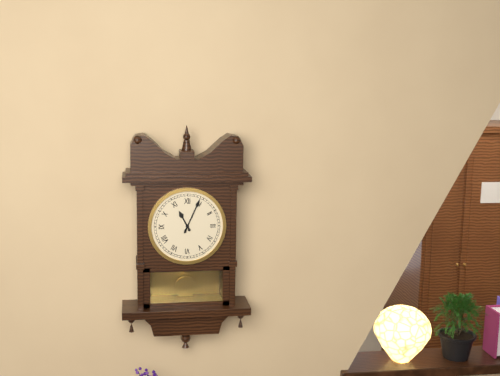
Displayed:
11,04
